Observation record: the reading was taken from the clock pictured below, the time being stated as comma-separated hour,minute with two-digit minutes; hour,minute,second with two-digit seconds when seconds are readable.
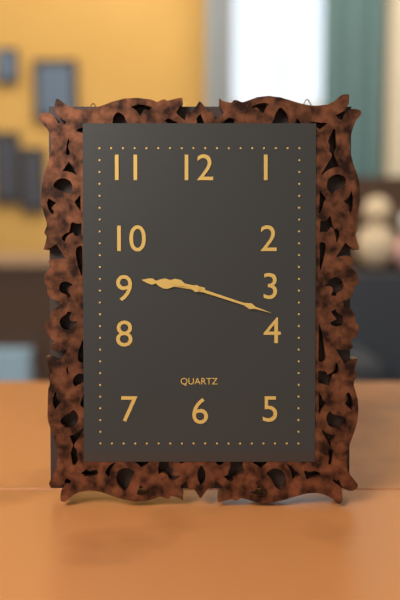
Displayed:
9,18
